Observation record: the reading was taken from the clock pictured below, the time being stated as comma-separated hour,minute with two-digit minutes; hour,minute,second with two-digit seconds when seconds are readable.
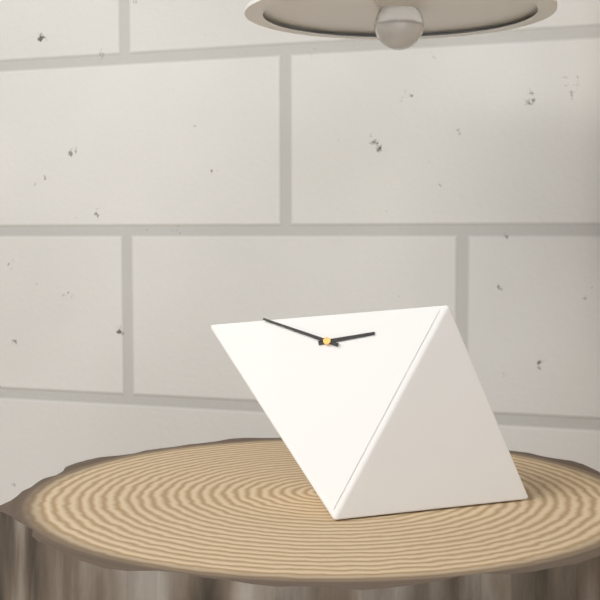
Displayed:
2,49
